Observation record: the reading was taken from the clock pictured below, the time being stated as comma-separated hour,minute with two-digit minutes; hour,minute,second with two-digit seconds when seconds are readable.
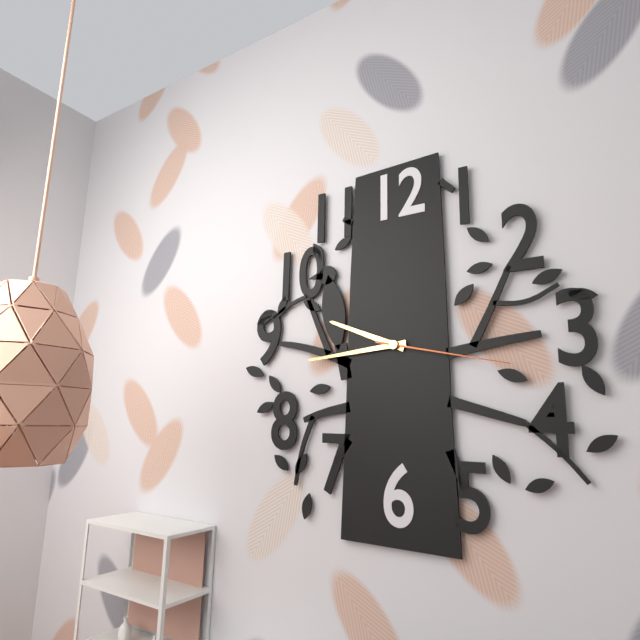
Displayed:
9,44,17
